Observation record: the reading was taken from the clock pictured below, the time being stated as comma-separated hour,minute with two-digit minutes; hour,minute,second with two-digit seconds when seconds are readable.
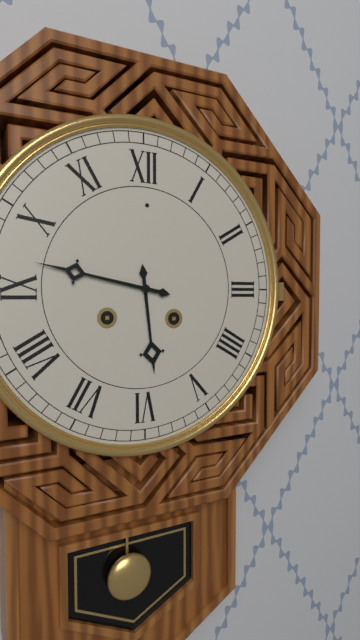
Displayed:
5,47
